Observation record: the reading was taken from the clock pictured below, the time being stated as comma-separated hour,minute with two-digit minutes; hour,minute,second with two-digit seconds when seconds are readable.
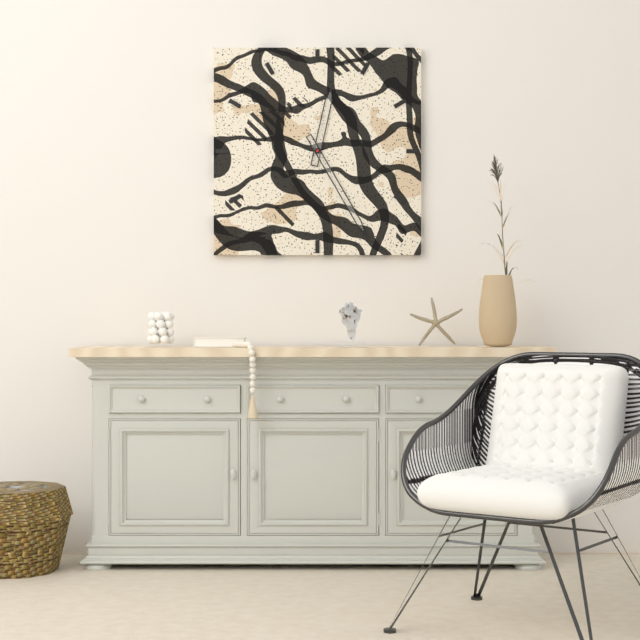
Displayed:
12,25
